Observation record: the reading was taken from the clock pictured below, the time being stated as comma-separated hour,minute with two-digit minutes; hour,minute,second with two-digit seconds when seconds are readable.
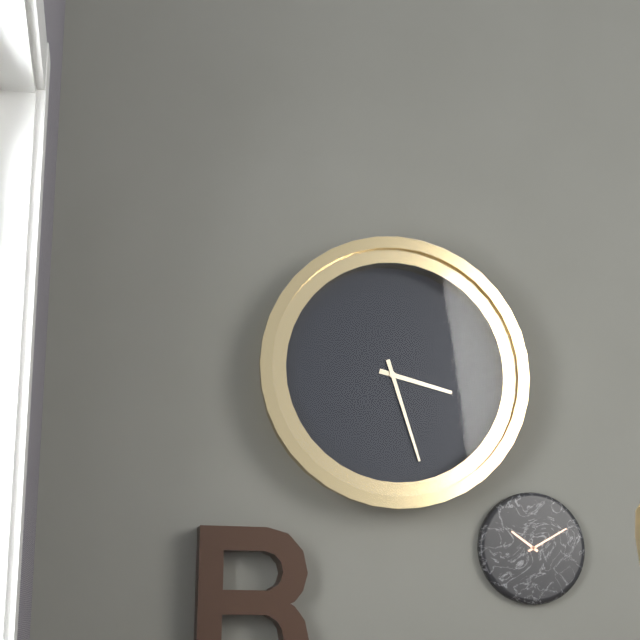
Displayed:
3,27
